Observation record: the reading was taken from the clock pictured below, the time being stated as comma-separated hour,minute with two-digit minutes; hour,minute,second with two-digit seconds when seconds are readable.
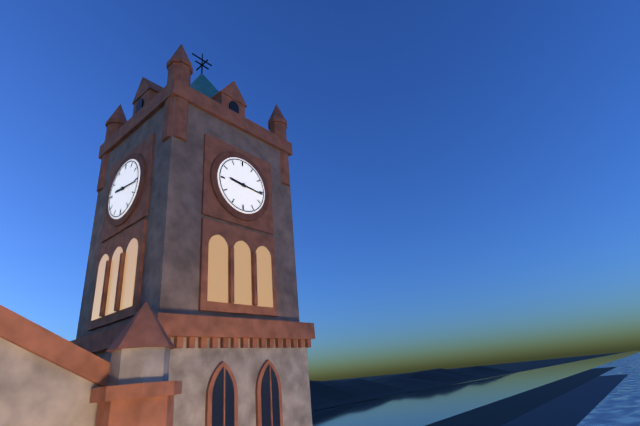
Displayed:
9,16
